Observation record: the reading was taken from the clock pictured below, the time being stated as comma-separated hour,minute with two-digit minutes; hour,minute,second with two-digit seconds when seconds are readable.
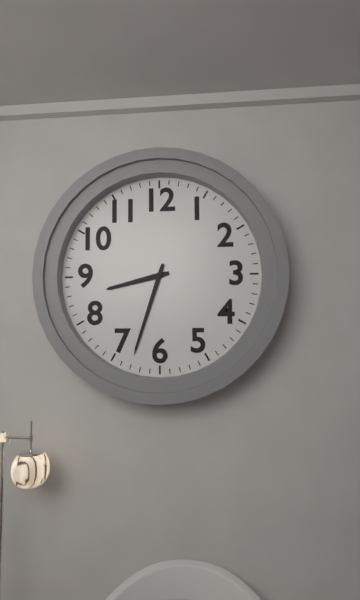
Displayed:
8,33
